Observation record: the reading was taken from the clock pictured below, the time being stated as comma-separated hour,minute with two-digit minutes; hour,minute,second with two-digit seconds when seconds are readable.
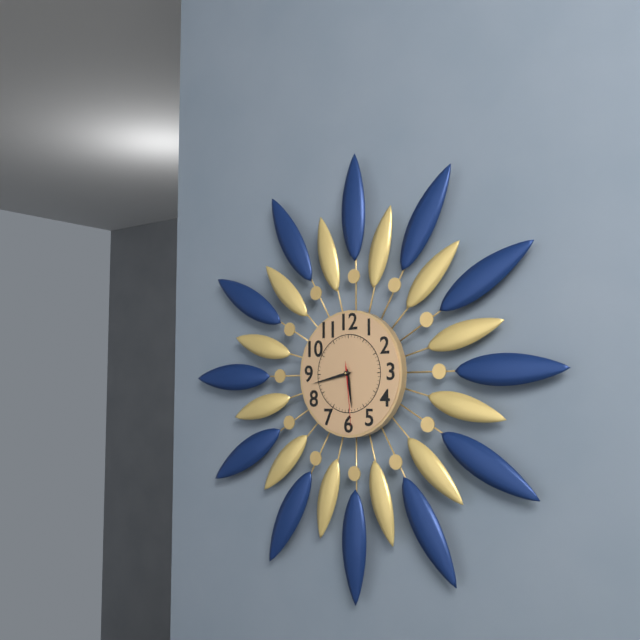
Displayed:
5,43,29
